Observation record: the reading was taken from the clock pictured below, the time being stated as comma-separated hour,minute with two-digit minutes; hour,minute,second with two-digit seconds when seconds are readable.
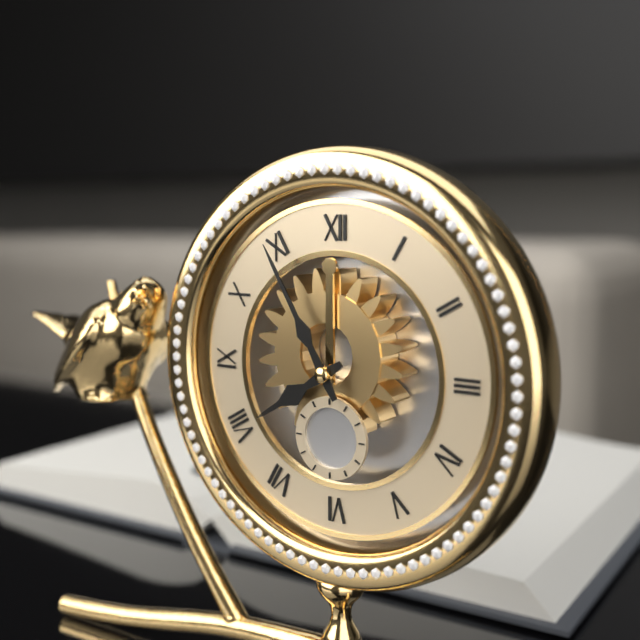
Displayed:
7,55
